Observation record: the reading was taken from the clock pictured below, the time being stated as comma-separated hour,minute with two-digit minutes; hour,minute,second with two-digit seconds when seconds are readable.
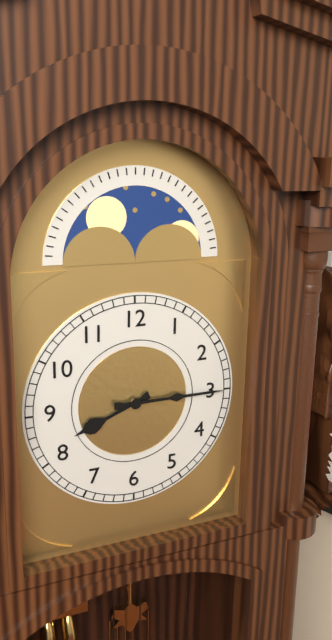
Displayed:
8,15
